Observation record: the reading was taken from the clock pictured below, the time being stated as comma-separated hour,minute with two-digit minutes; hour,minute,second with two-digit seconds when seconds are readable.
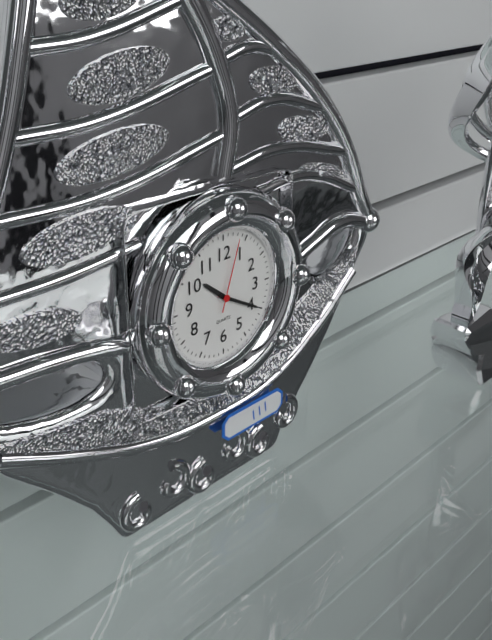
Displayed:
10,20,03
